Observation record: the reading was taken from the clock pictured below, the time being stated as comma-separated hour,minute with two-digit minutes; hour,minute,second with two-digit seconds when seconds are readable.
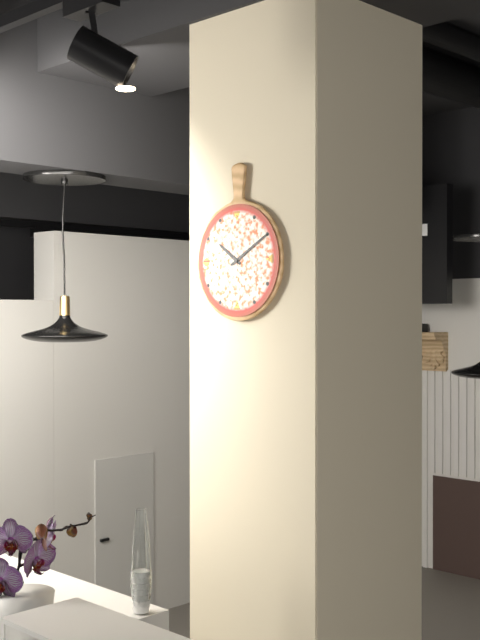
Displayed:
10,10
